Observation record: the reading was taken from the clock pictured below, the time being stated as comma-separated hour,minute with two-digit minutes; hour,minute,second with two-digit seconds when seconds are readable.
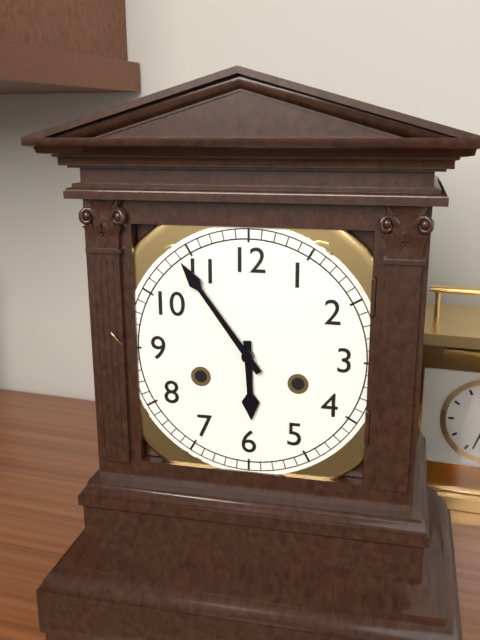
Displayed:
5,54
